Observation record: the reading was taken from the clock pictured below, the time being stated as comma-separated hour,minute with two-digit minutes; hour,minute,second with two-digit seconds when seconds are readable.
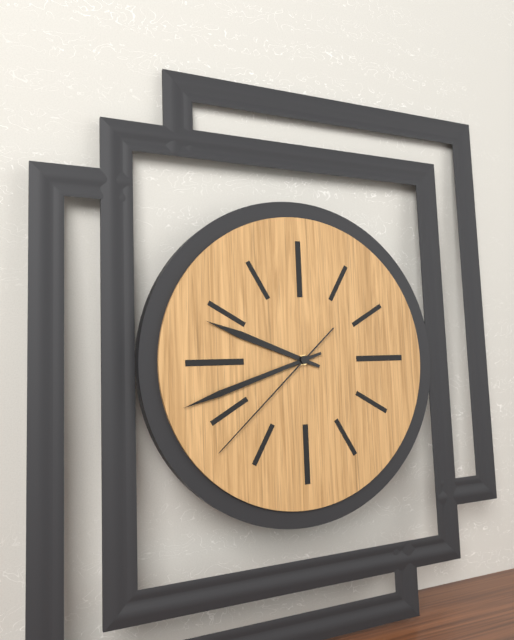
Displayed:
9,42,38
